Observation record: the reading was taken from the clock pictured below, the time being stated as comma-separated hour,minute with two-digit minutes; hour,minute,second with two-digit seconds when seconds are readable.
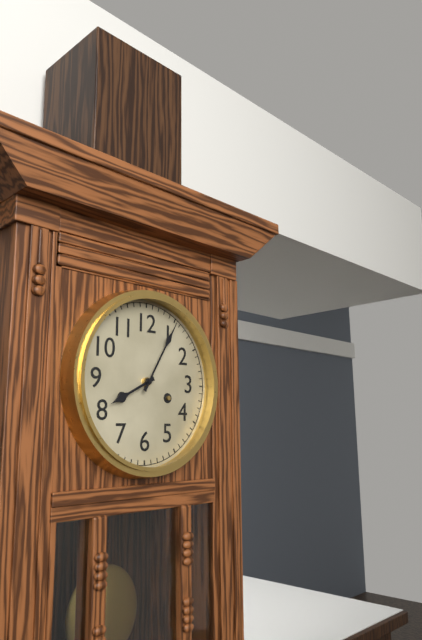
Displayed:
8,05
